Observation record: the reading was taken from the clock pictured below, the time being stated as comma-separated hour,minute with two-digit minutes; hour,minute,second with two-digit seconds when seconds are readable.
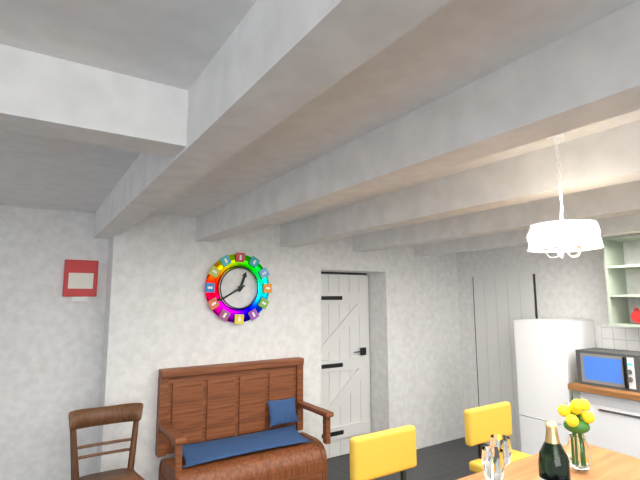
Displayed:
12,40
